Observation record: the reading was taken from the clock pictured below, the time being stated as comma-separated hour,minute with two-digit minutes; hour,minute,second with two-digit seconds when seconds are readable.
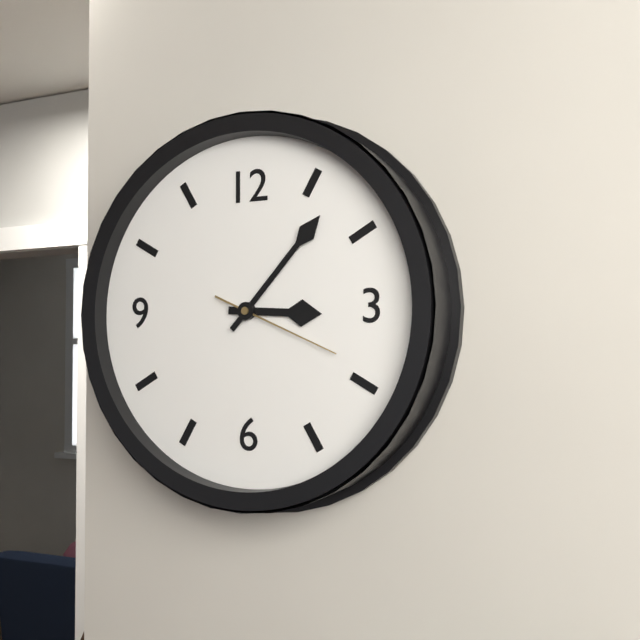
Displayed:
3,07,19
